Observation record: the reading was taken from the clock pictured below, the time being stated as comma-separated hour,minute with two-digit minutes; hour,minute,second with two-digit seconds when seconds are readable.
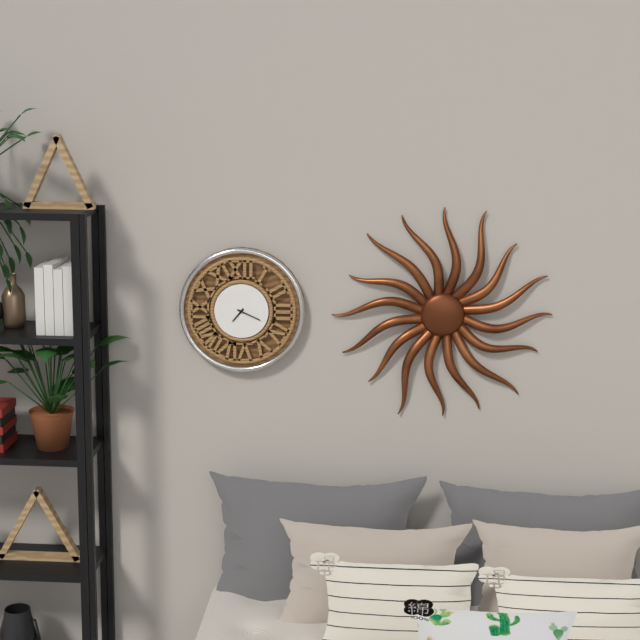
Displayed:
7,19
